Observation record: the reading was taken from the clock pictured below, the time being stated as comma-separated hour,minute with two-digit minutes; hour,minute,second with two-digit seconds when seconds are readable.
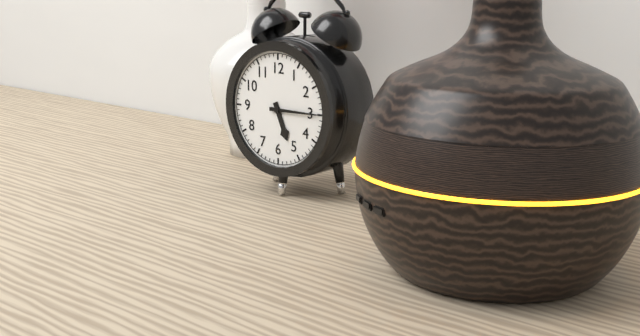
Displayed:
5,15
